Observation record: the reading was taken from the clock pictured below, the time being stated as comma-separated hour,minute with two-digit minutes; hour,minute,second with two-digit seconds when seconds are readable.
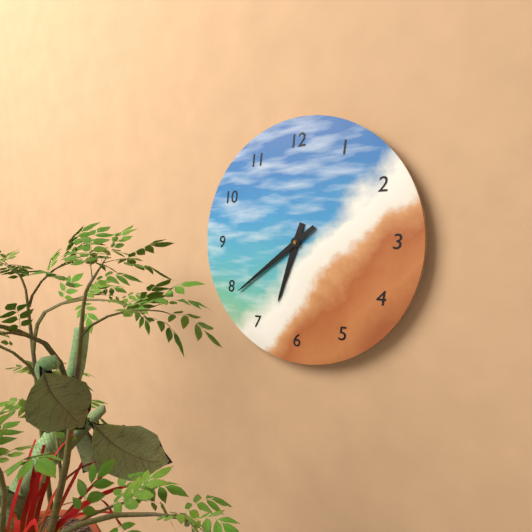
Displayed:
6,39
